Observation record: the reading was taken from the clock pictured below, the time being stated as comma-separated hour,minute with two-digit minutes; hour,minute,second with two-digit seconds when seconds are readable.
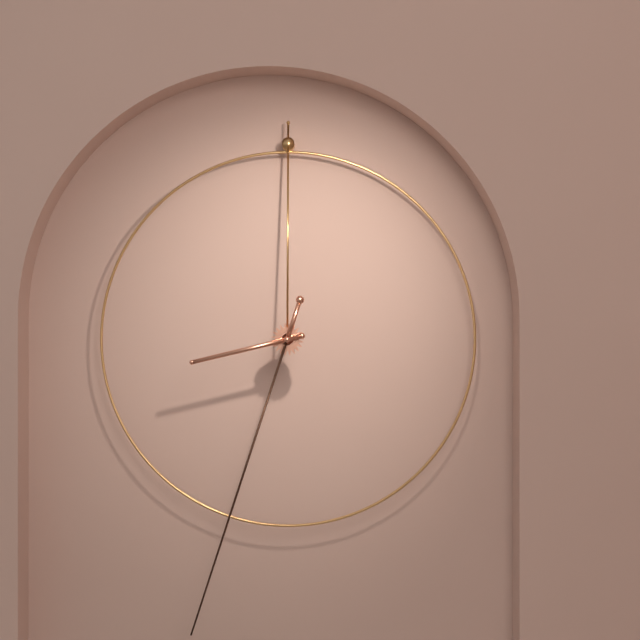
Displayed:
8,33
